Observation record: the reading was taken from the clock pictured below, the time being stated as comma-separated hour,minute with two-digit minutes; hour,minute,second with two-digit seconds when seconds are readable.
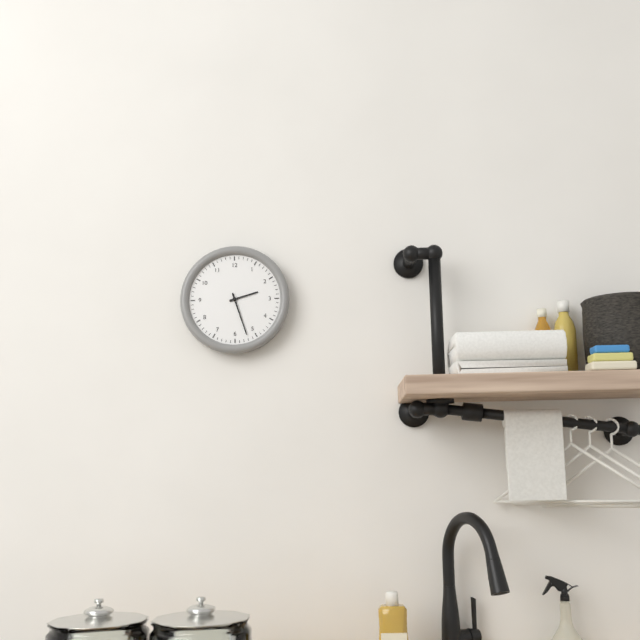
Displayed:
2,27
